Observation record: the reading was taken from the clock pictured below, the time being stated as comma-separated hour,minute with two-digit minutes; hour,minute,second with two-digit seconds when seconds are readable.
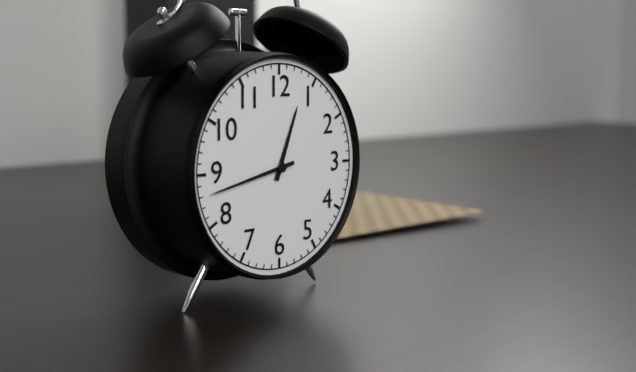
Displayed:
12,43
